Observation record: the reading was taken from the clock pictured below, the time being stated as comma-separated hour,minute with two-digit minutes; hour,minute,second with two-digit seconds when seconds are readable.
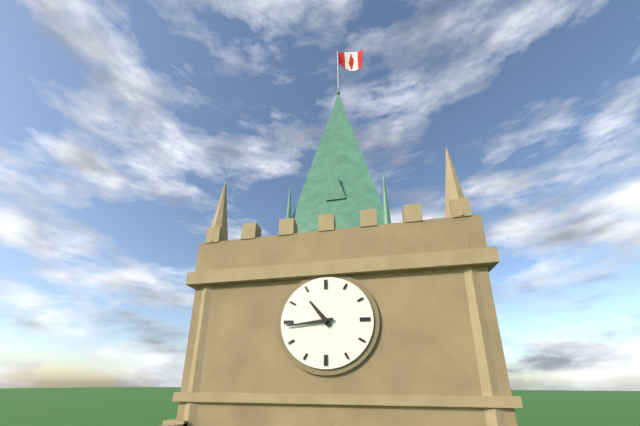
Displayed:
10,44
